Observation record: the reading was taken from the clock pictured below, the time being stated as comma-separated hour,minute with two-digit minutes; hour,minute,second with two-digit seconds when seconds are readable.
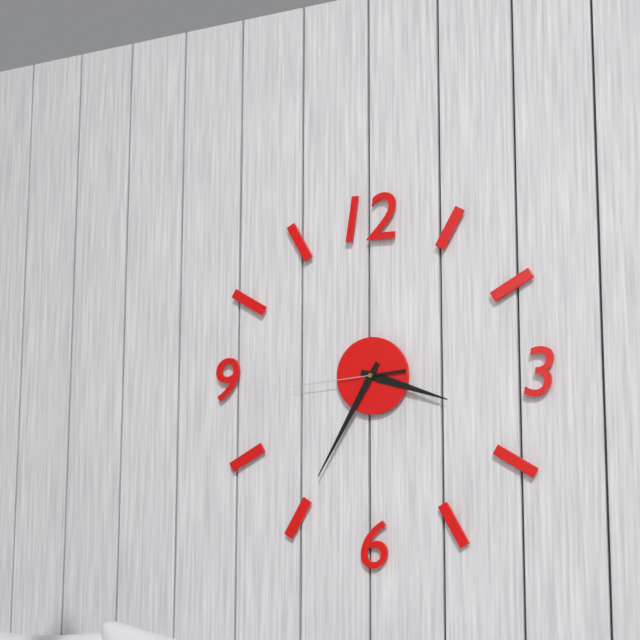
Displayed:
3,35,44
